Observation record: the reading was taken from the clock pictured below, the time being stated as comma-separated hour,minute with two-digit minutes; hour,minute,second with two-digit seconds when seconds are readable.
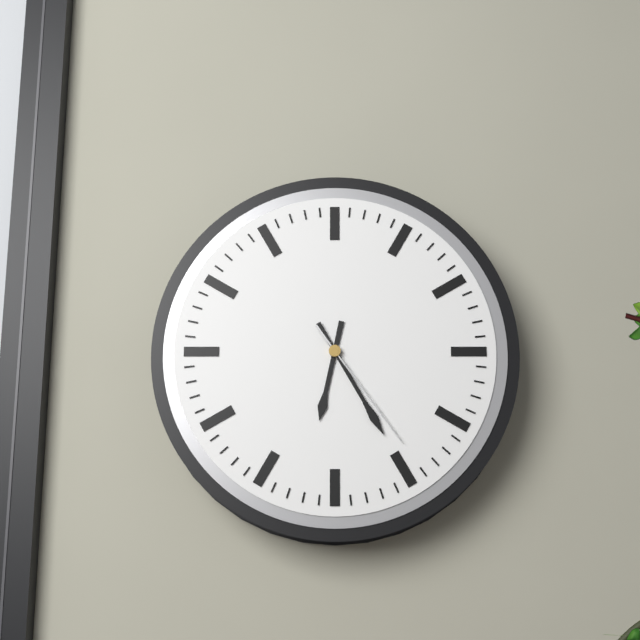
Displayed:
6,25,24
